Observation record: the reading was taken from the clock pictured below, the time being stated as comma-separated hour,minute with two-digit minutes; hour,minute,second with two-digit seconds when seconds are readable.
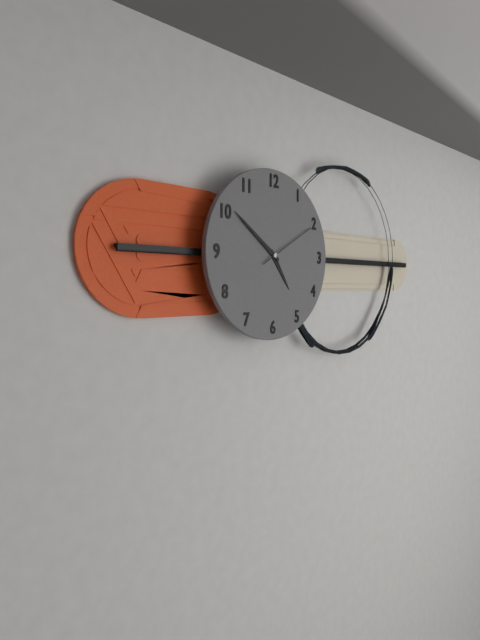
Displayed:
4,51,10
